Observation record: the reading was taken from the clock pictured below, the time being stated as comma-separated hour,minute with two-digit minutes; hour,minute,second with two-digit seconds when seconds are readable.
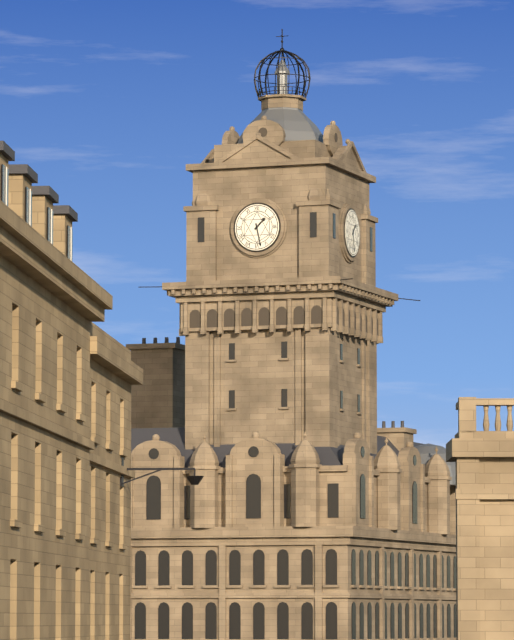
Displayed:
1,28
